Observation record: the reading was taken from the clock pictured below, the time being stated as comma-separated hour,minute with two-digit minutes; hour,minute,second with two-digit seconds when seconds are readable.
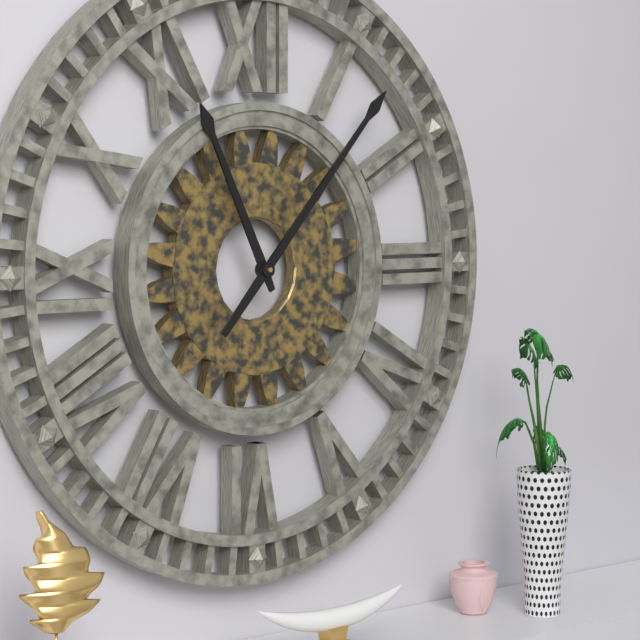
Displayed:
11,07
